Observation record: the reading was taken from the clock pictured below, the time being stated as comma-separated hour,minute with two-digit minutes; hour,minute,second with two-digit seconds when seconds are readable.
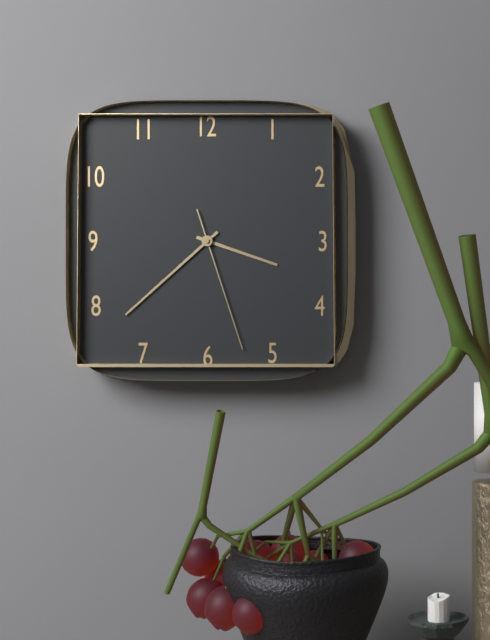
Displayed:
3,38,27
